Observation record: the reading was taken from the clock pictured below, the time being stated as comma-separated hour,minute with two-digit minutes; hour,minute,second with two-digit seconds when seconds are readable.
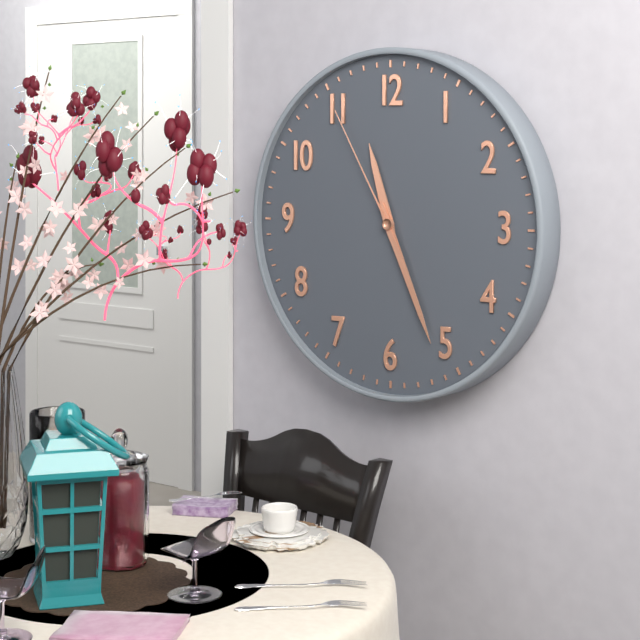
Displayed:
11,26,55
